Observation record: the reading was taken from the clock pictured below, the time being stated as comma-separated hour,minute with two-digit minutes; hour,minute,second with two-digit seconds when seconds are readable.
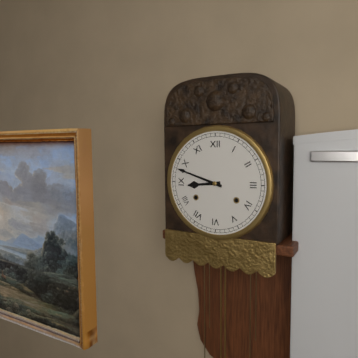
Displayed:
8,48
